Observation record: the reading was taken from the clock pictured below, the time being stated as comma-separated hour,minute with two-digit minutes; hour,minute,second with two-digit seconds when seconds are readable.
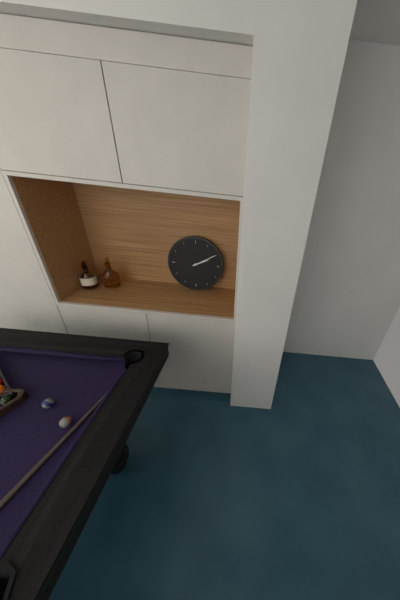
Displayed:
2,10
